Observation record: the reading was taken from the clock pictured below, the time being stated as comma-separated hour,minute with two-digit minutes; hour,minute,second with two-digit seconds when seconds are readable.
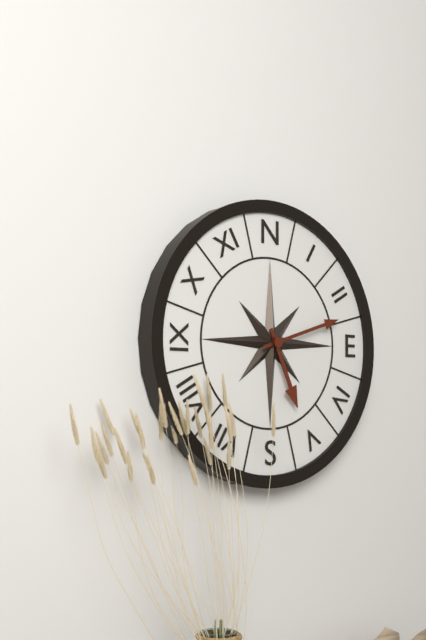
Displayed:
5,12
